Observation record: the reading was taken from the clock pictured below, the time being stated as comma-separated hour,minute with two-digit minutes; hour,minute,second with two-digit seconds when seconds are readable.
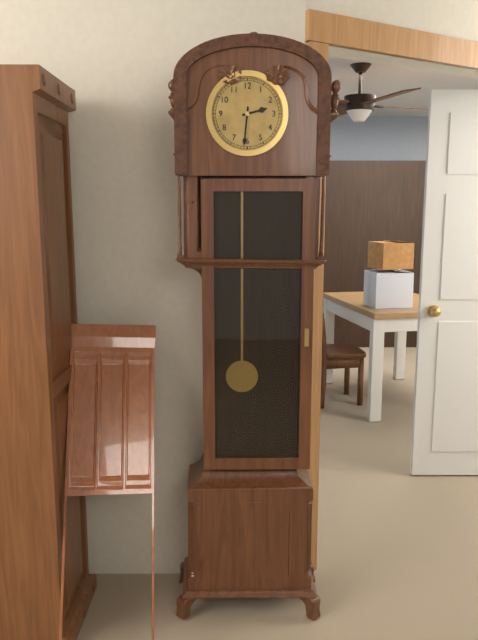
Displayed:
2,31
